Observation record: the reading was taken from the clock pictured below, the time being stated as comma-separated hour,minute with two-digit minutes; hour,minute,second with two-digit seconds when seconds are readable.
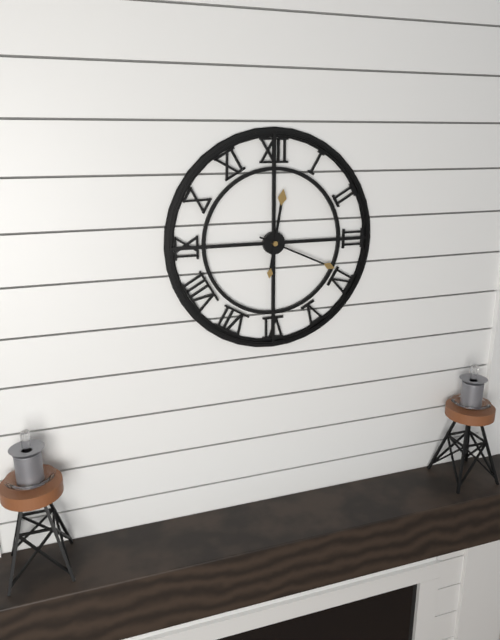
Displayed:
12,19
